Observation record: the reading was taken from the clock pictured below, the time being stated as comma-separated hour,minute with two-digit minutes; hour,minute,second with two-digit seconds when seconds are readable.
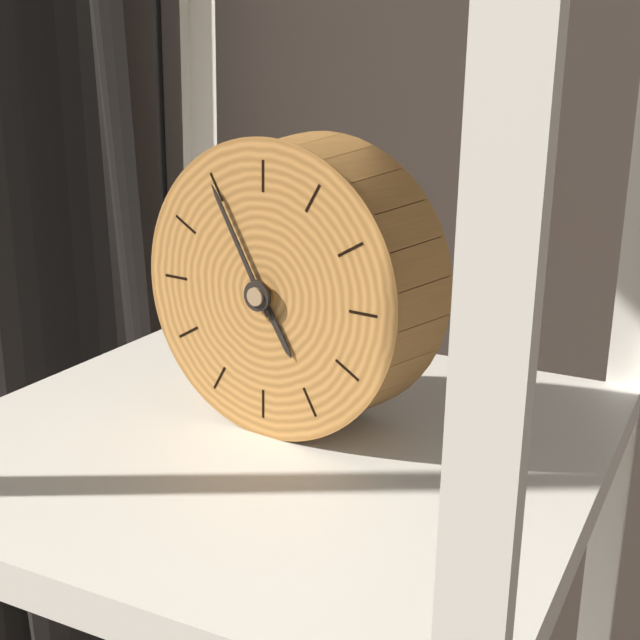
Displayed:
4,55
